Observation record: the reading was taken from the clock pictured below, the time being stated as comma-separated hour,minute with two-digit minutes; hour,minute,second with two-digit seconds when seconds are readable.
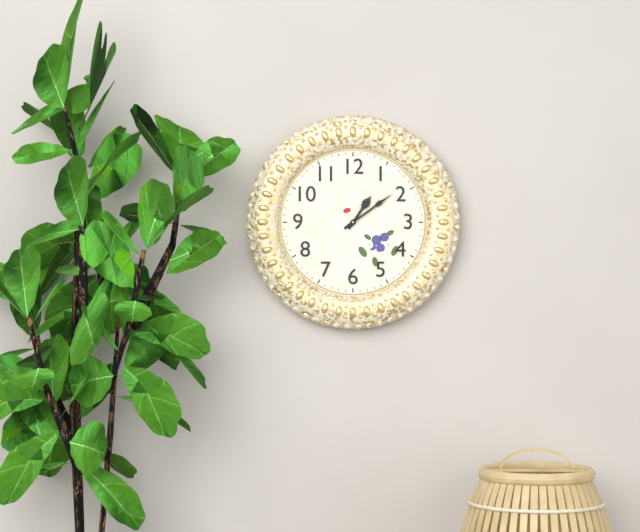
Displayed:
1,09
